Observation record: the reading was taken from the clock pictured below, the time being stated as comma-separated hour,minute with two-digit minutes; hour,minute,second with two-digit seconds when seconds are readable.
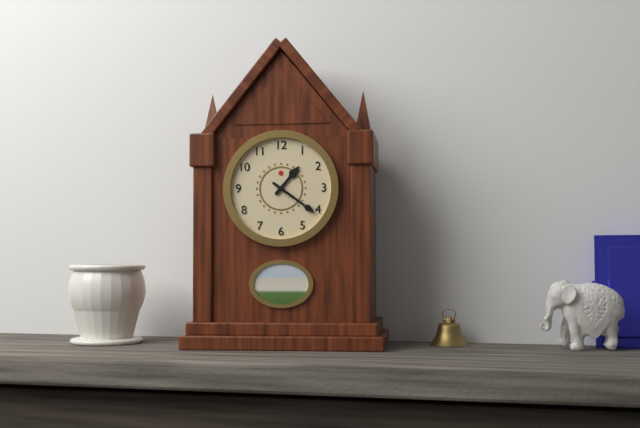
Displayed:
1,21
